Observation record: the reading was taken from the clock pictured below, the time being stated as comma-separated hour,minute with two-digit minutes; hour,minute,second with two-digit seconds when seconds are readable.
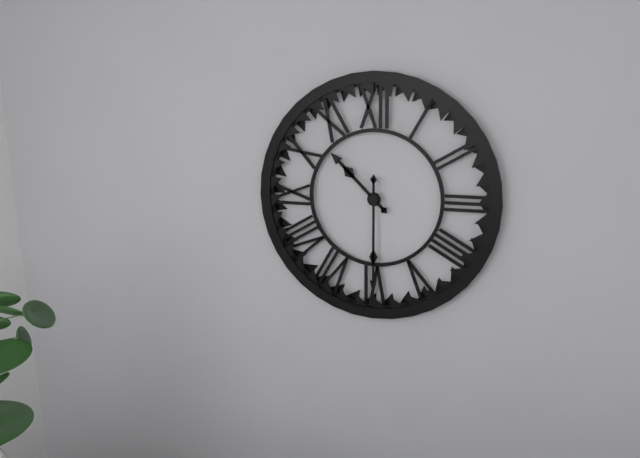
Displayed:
10,30
